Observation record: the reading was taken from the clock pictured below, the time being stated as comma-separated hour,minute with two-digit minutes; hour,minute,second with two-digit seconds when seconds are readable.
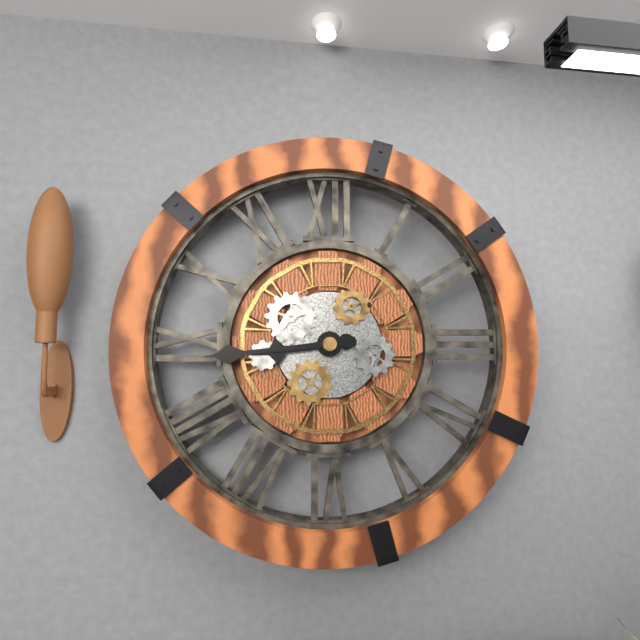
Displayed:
8,44
